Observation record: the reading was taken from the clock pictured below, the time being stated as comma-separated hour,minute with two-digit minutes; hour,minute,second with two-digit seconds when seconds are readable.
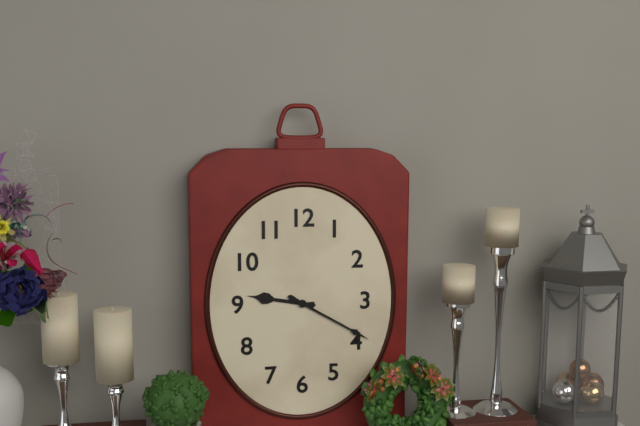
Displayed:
9,20
